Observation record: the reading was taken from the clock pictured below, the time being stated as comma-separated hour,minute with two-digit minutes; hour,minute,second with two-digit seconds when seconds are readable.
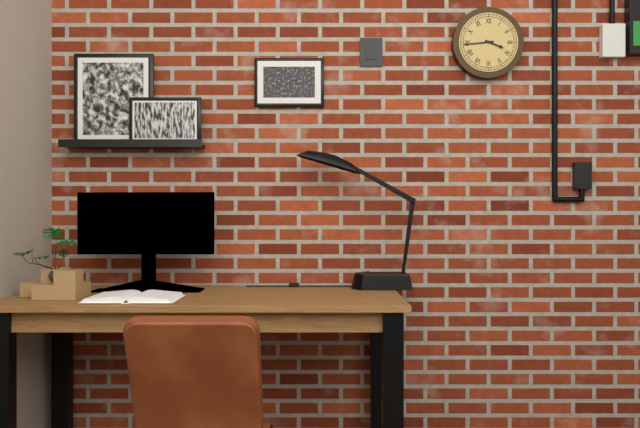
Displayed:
3,44
